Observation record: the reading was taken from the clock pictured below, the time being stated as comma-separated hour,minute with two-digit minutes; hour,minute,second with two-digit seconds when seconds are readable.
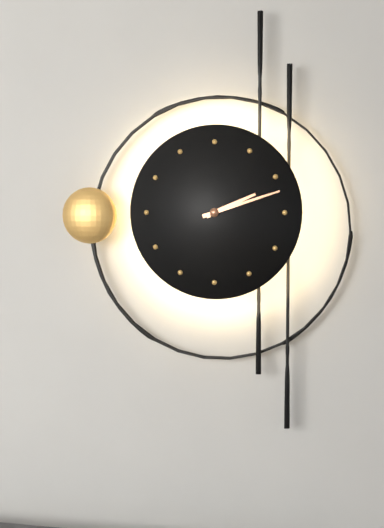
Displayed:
2,12
